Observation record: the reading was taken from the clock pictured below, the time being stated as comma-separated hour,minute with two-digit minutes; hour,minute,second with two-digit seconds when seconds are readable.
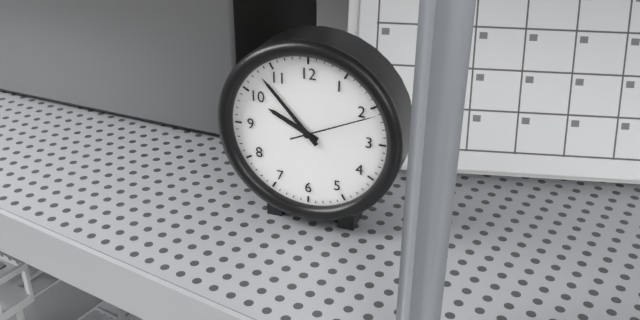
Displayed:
9,53,11
